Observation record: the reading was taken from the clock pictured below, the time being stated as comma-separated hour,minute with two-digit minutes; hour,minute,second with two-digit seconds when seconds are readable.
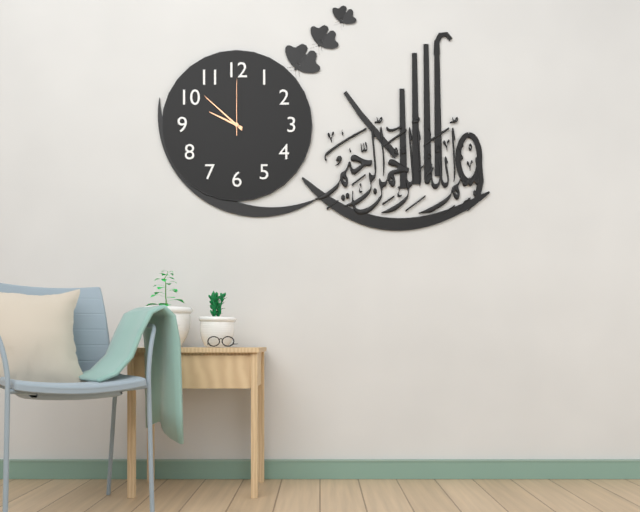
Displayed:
9,52,00
